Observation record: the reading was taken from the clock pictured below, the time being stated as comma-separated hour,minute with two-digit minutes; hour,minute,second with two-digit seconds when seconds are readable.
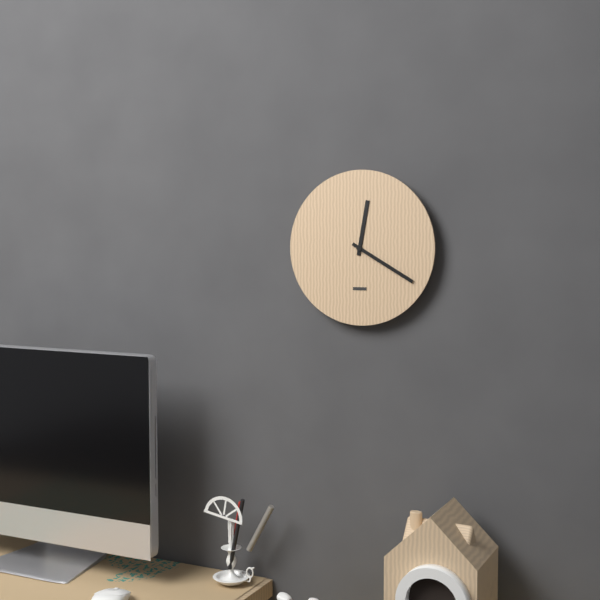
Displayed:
12,20
